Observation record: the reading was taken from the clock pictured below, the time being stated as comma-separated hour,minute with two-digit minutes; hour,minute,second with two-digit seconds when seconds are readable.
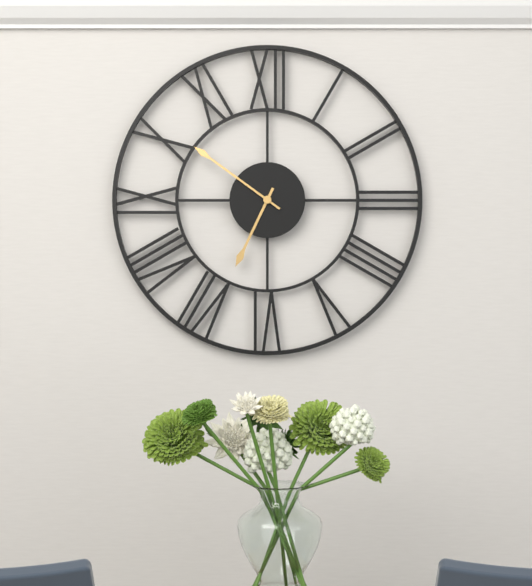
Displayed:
6,51
